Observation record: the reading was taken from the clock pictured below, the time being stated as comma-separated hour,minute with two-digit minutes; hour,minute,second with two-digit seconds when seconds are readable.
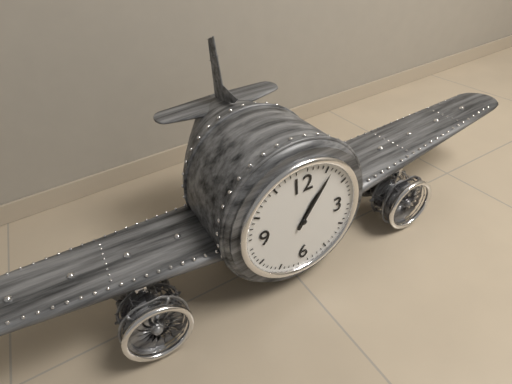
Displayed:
1,06
